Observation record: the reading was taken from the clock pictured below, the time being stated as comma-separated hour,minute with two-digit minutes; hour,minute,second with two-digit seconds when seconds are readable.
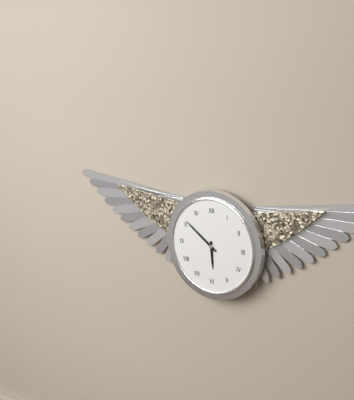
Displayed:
5,51
